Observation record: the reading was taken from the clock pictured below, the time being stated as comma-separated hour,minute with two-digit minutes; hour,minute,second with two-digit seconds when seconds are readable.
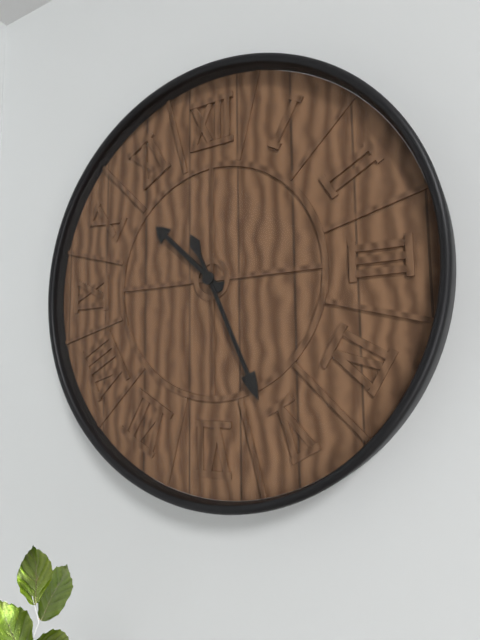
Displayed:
10,26
